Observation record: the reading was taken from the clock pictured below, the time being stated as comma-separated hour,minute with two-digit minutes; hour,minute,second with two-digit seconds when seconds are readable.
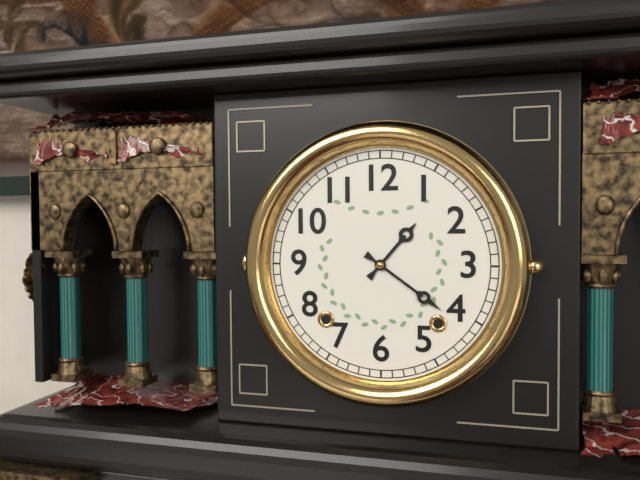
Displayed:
1,21
